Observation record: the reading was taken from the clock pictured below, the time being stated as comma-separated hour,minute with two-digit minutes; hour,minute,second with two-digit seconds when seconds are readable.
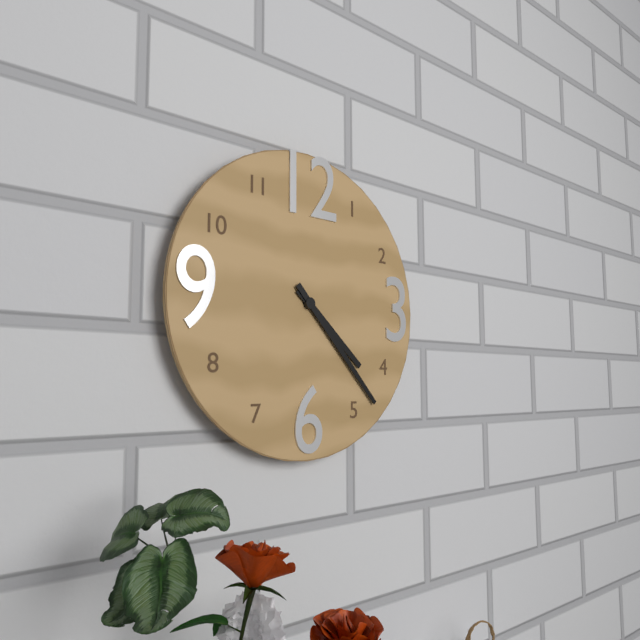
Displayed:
4,23
